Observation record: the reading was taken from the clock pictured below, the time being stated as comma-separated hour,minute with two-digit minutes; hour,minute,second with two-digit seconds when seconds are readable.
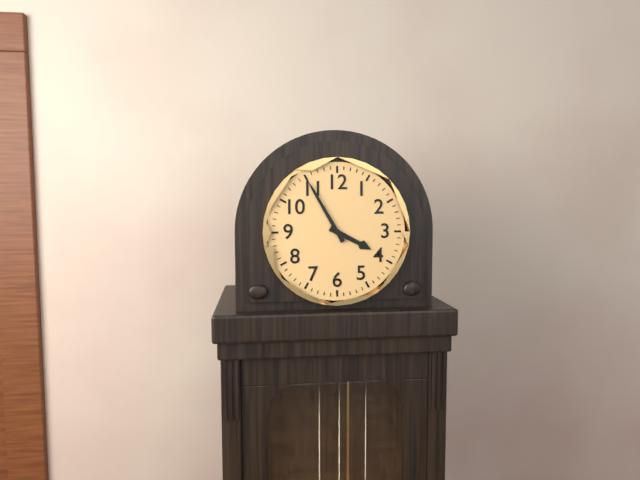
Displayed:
3,55
